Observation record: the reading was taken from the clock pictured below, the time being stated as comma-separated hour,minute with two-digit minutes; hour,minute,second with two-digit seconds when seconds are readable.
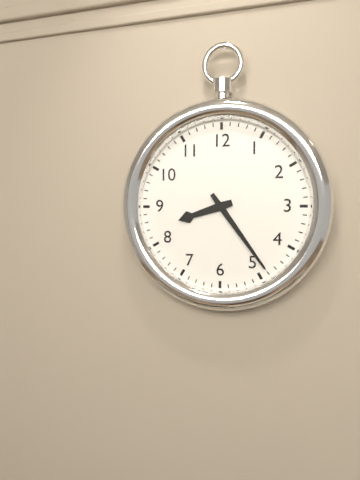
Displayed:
8,24
